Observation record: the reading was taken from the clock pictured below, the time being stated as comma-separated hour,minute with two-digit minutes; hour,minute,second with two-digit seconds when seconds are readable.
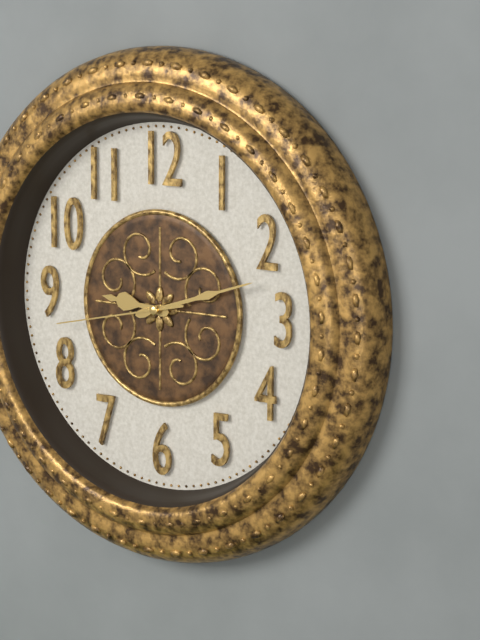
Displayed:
9,12,43
